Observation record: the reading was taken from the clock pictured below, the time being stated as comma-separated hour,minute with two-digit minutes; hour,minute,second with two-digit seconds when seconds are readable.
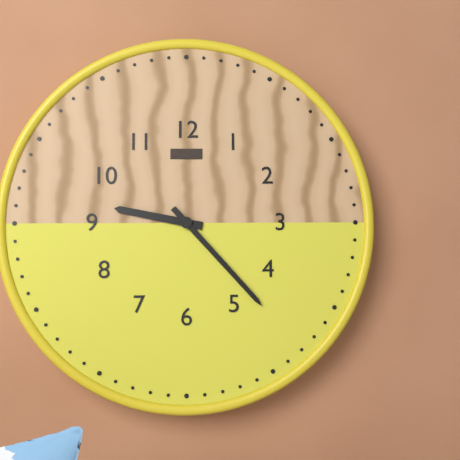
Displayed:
9,23
